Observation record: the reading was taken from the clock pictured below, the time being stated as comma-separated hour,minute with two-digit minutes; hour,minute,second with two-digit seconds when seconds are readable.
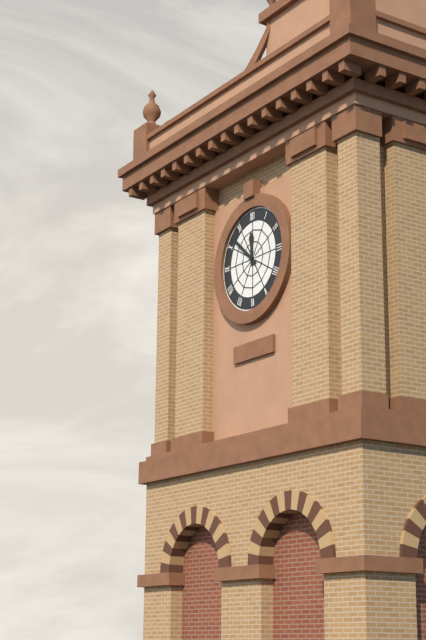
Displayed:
11,52
